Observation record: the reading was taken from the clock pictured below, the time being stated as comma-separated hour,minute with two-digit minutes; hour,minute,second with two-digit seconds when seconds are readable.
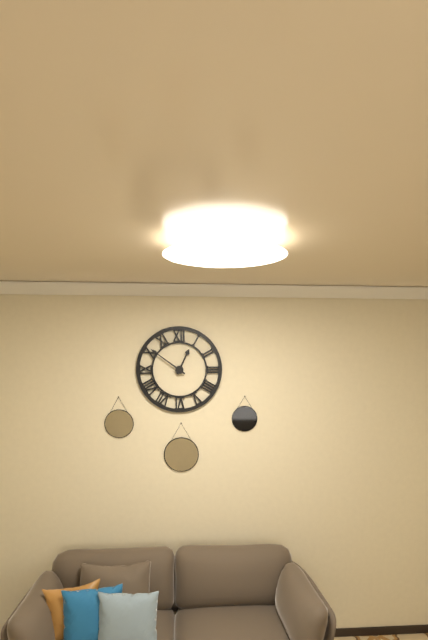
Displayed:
12,51
